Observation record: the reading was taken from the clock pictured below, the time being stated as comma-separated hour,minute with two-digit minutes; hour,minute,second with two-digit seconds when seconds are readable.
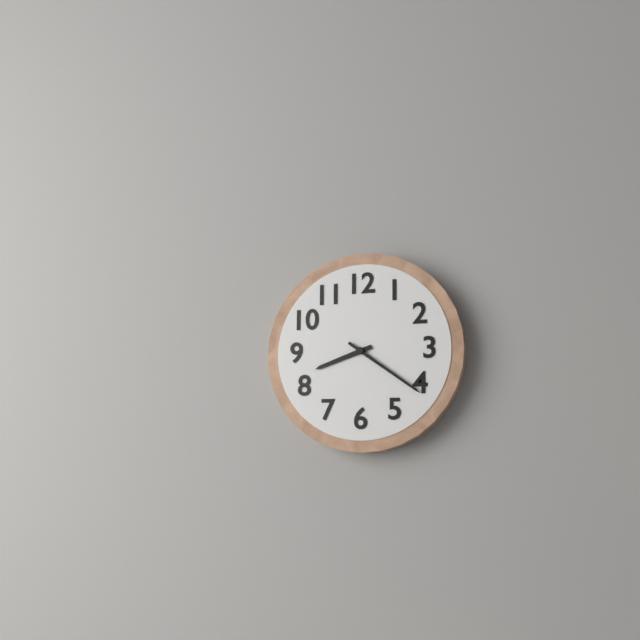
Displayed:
8,21
